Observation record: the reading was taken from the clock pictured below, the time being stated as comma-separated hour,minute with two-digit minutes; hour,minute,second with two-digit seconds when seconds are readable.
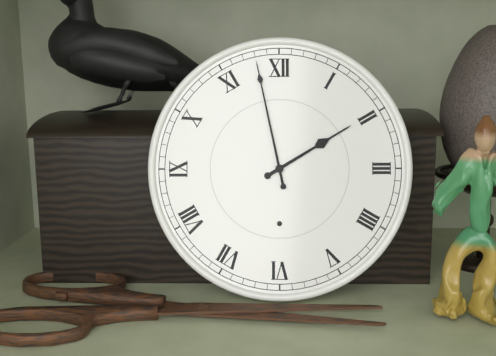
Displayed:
1,58
